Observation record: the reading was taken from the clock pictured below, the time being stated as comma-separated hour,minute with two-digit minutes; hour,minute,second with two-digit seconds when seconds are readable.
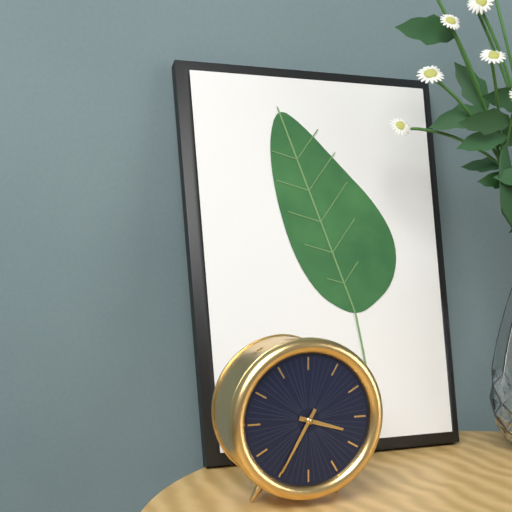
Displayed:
3,35
